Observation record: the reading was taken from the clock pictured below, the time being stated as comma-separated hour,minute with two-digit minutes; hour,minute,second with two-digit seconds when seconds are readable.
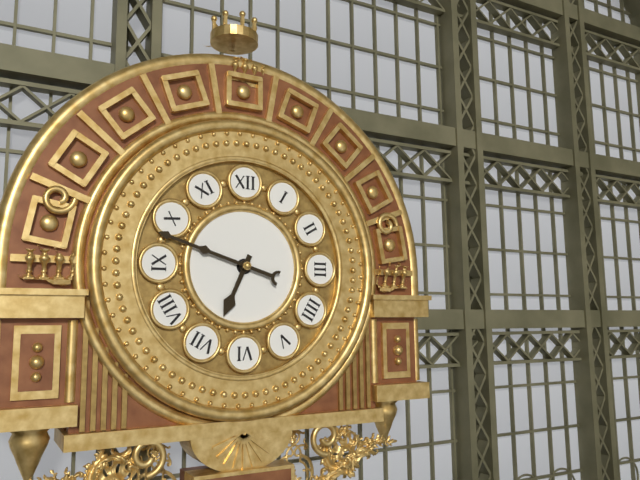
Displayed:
6,48
